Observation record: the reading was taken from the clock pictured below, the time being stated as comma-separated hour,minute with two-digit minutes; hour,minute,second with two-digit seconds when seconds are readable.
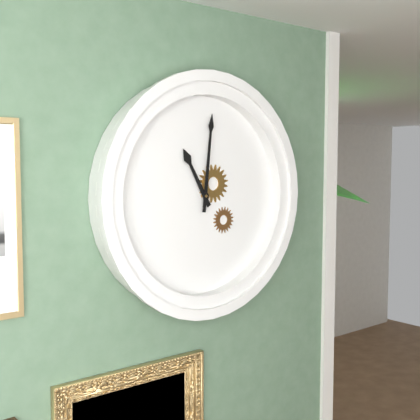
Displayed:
11,01
